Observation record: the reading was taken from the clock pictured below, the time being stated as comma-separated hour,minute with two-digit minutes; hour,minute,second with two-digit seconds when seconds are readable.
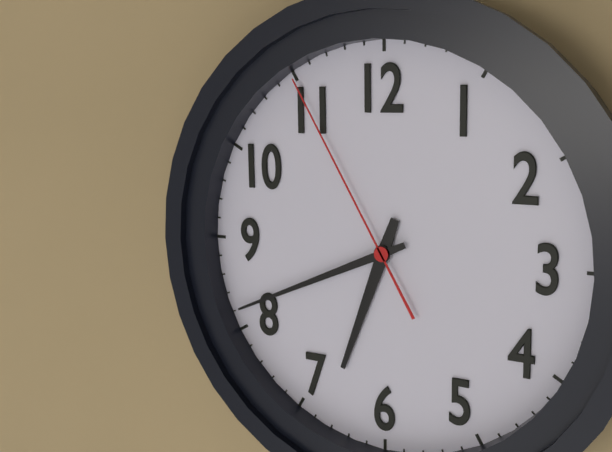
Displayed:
6,41,55
